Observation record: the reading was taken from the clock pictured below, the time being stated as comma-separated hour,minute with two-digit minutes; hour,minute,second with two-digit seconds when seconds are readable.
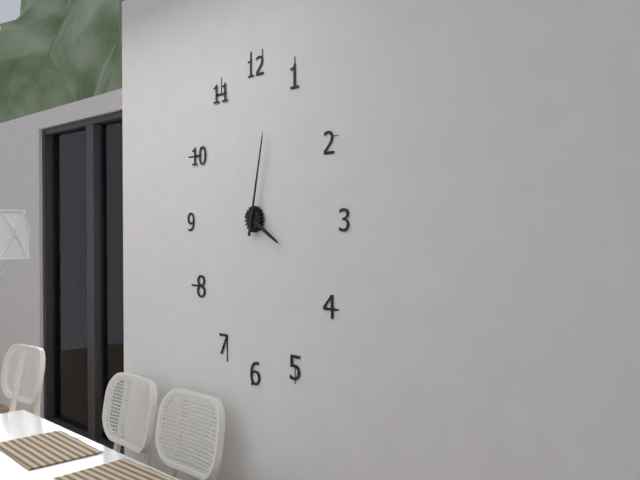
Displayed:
4,02
